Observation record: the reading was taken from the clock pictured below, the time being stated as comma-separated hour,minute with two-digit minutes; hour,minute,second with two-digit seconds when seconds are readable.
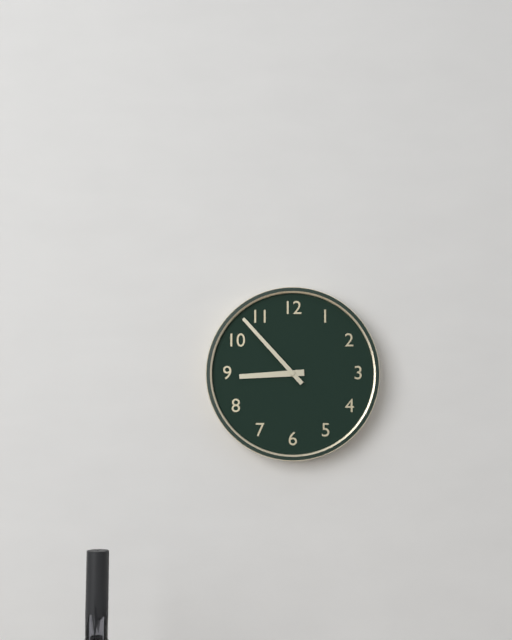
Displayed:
8,53
